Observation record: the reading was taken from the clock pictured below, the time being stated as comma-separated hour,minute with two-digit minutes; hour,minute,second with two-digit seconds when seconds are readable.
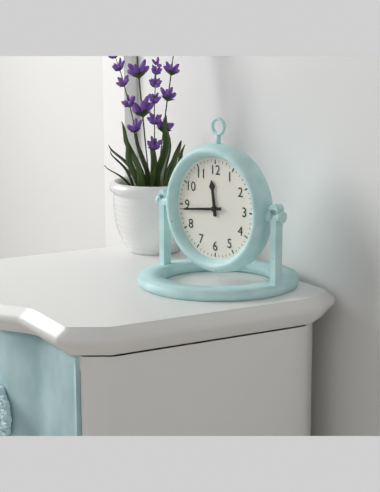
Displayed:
11,44
